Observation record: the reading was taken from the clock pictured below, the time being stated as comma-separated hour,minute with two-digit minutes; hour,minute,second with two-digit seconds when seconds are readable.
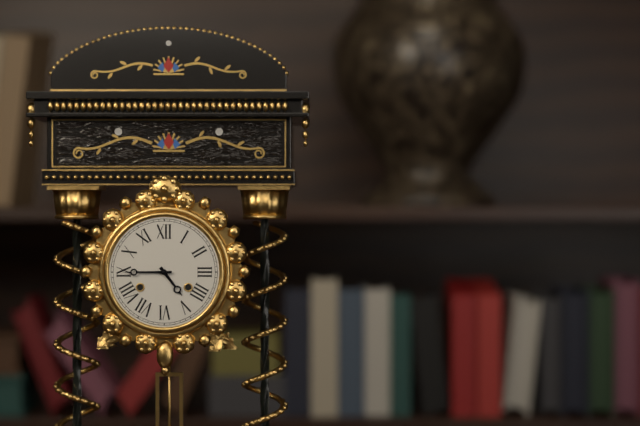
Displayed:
4,45
